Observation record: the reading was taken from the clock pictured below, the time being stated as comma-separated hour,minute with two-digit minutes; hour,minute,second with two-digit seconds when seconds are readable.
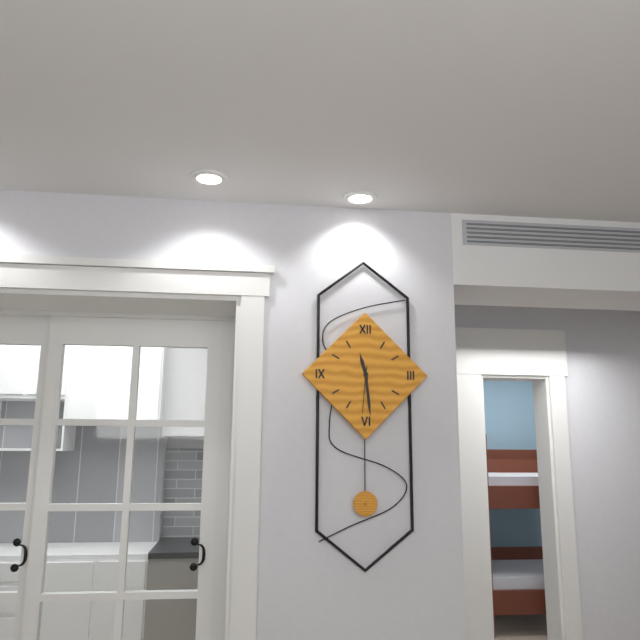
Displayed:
11,29
